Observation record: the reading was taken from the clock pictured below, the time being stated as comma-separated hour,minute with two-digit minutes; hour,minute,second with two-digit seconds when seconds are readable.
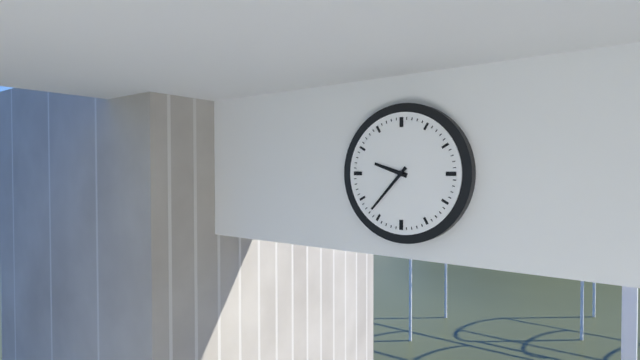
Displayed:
9,37
